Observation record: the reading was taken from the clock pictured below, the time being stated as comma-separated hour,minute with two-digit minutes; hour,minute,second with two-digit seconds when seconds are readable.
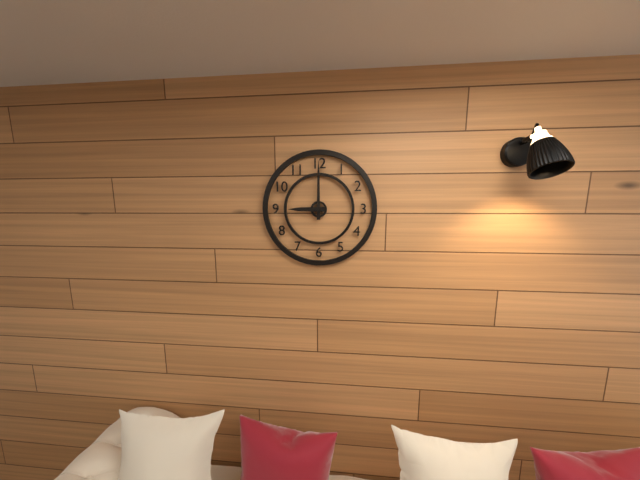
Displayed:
9,00
